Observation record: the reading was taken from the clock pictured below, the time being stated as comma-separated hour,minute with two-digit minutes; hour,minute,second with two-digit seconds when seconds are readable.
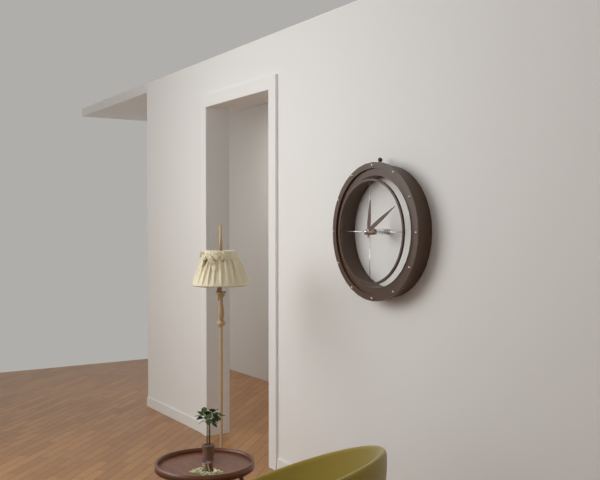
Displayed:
12,10
